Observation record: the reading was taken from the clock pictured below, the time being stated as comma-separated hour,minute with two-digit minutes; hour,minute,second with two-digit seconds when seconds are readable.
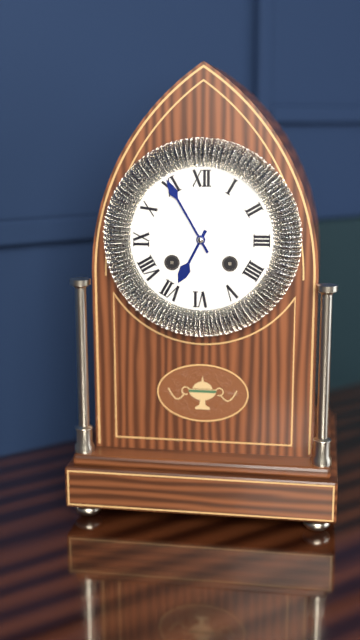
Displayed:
6,55
